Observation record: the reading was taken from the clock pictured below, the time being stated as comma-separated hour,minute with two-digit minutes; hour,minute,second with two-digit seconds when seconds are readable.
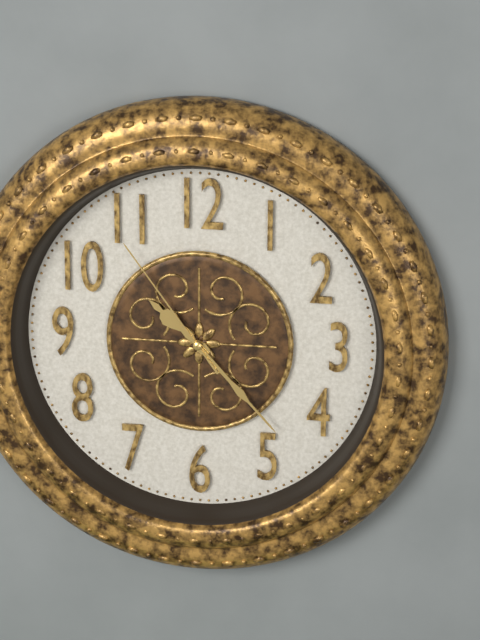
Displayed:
10,23,54
